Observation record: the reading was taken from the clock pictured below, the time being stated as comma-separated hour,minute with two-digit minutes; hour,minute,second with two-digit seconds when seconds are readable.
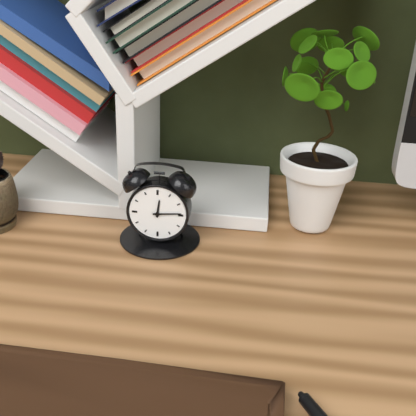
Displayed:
12,14
